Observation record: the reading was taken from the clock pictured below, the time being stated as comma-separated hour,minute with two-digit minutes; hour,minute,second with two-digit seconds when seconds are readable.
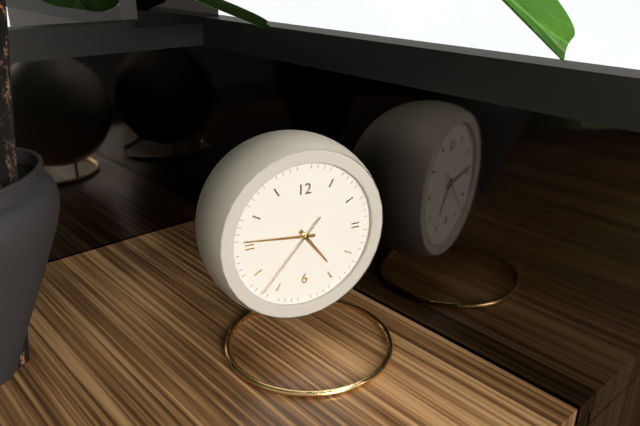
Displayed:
4,46,37
